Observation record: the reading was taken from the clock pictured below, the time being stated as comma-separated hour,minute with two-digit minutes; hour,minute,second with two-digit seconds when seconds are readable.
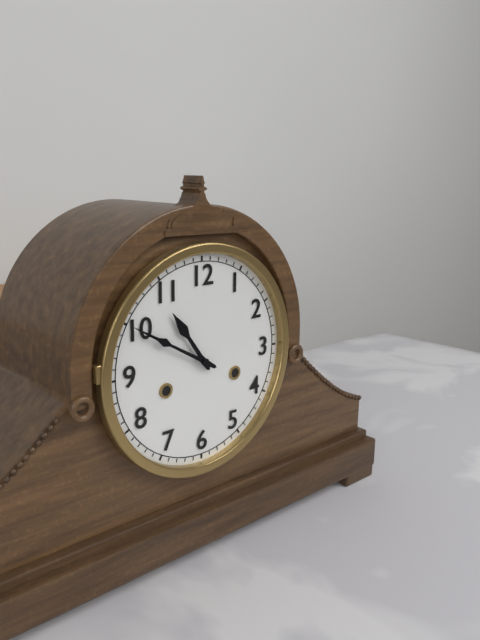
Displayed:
10,50
